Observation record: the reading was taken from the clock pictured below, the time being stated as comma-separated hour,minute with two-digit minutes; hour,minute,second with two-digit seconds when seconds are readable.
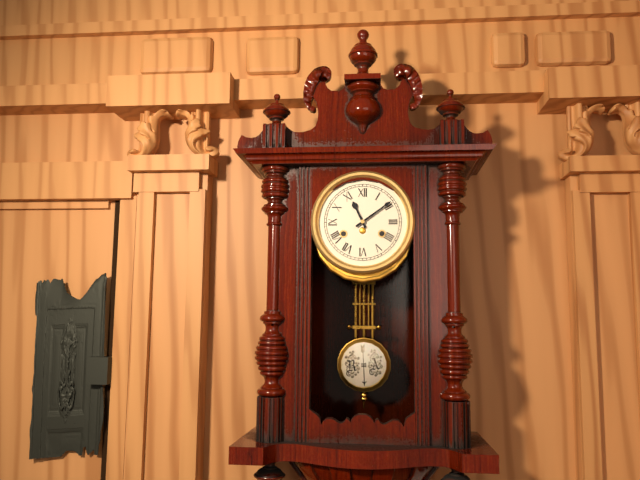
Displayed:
11,09
